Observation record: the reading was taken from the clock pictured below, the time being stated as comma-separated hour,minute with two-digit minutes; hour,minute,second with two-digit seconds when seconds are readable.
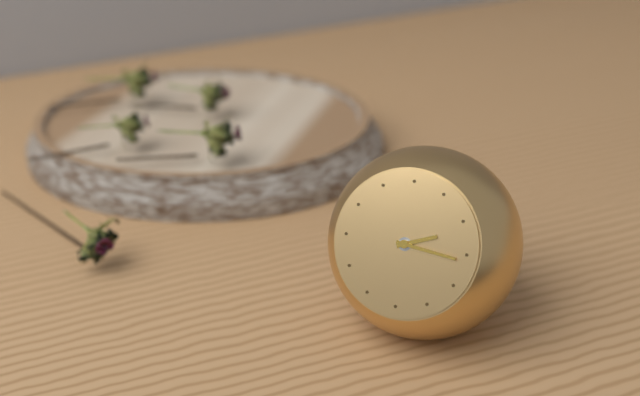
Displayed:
2,16
